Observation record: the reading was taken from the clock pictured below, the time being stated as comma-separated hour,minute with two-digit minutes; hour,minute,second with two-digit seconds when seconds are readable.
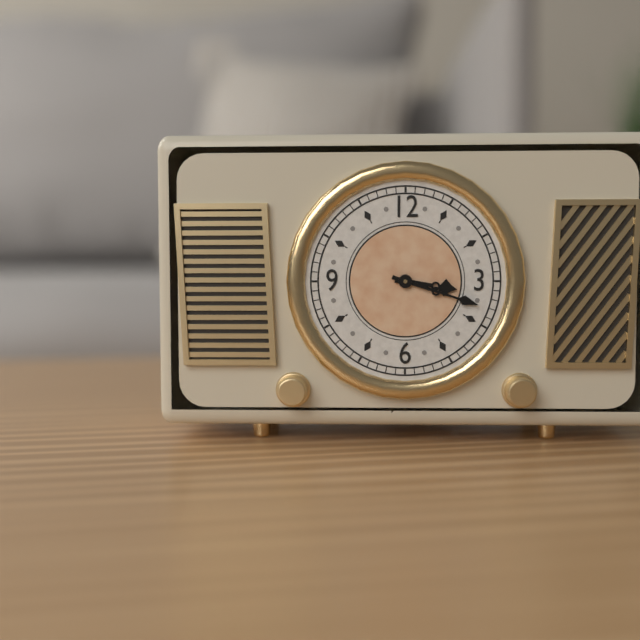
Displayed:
3,18
